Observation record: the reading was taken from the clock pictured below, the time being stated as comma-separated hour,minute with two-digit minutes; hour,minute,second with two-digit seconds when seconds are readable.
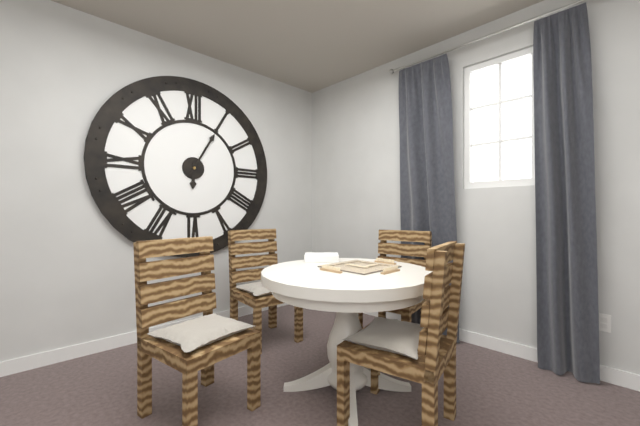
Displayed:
6,05
